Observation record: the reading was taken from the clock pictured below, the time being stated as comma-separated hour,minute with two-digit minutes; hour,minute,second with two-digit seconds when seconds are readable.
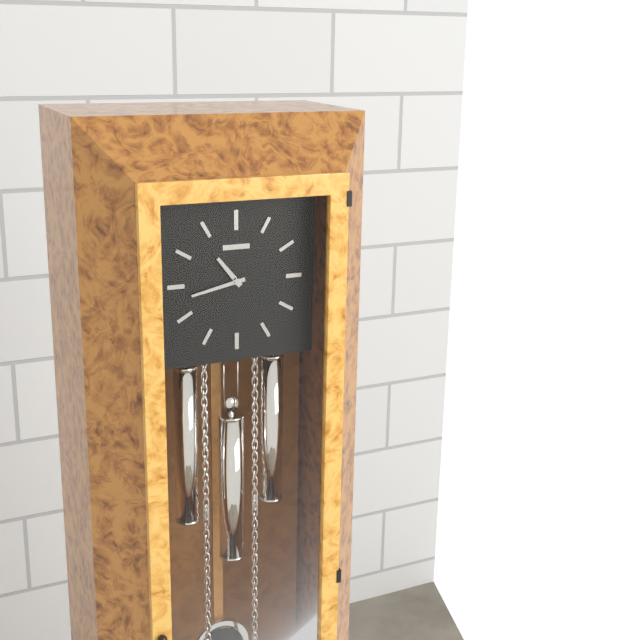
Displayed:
10,43
